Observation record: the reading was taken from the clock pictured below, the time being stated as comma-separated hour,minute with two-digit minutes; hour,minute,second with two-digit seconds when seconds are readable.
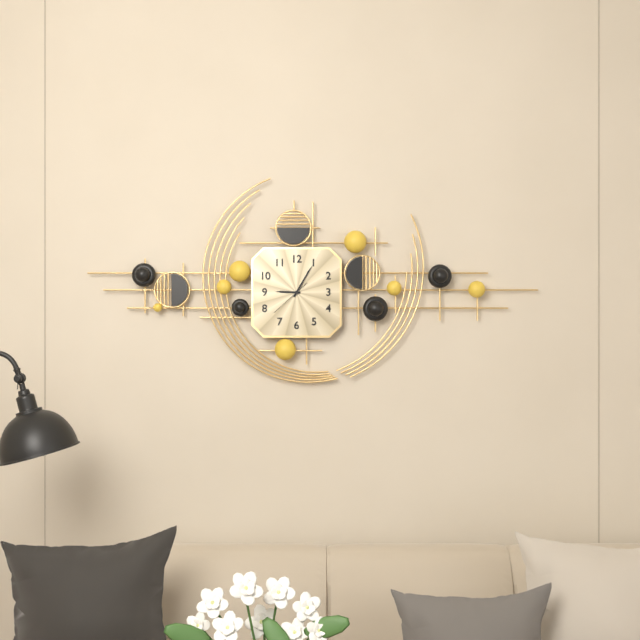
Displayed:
9,05
